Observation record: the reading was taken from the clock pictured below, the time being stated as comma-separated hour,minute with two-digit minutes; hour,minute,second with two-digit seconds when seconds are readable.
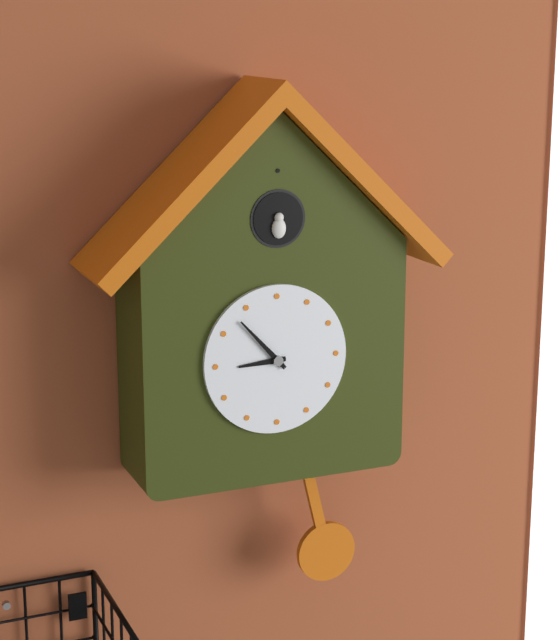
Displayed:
8,53
